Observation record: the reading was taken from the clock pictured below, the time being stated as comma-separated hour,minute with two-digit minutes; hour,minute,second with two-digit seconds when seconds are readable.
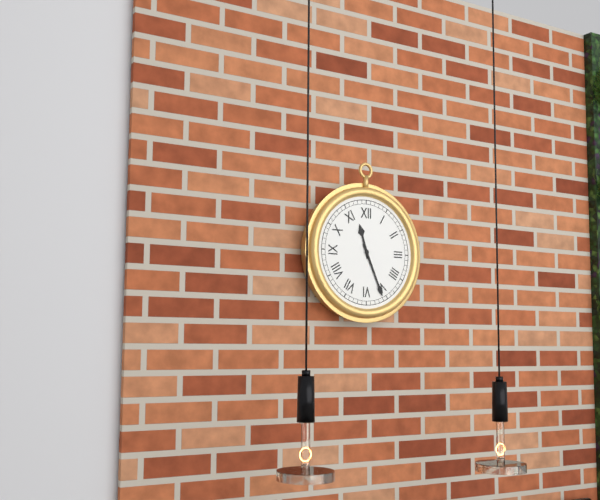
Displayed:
11,26
